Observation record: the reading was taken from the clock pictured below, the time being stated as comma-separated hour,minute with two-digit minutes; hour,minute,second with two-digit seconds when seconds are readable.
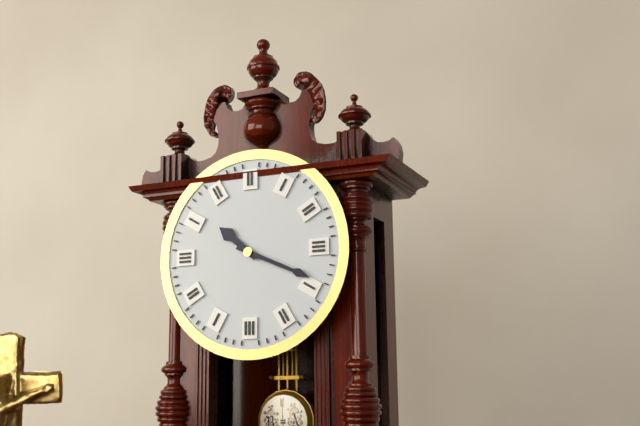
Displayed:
10,19
